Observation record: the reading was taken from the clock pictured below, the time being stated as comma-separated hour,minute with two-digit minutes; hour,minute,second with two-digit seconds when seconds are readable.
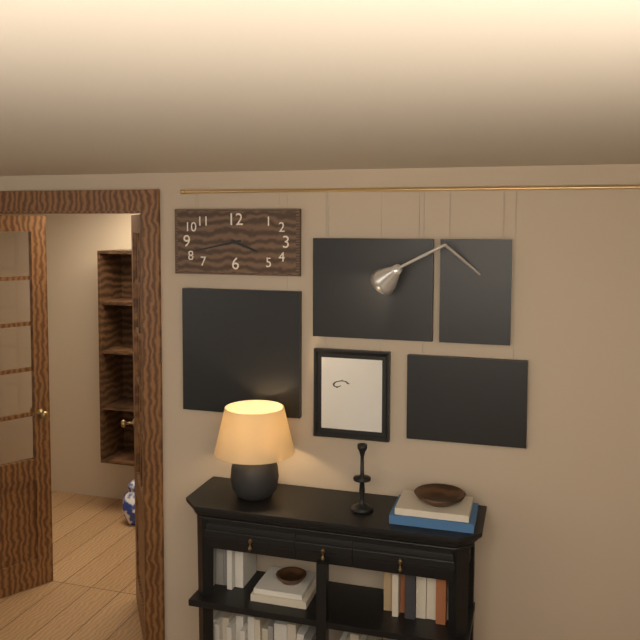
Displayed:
3,43
